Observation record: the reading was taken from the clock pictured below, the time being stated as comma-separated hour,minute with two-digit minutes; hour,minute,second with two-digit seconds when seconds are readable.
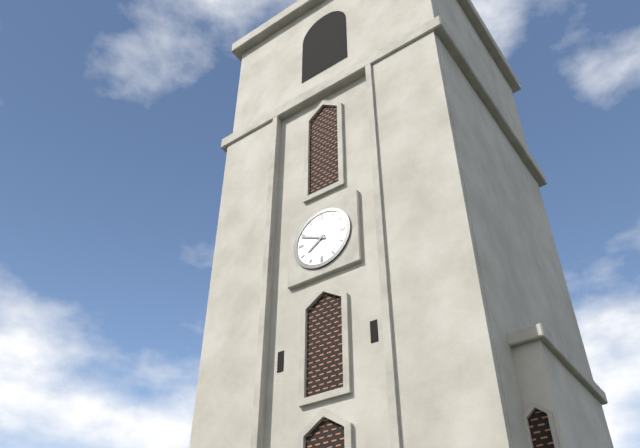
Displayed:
7,49
